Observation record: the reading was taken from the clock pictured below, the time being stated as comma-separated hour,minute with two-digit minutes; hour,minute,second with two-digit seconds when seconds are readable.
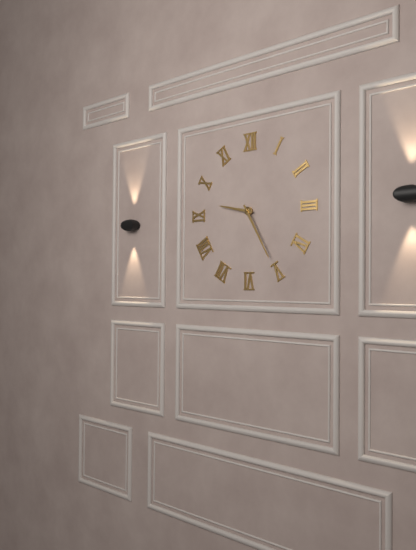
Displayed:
9,25
